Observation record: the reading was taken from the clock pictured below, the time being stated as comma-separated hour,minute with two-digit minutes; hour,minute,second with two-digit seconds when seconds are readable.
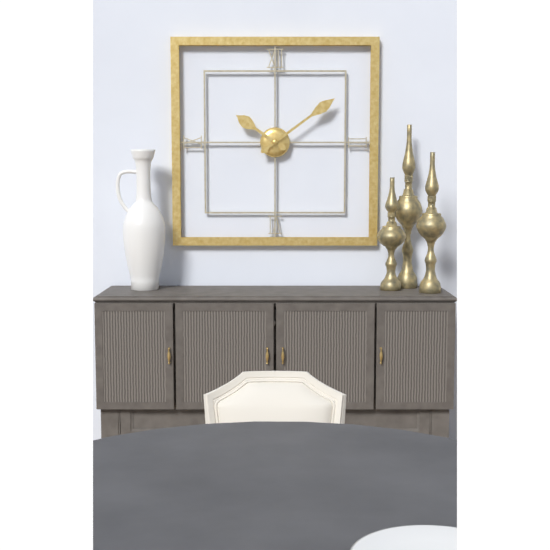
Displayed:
10,09
